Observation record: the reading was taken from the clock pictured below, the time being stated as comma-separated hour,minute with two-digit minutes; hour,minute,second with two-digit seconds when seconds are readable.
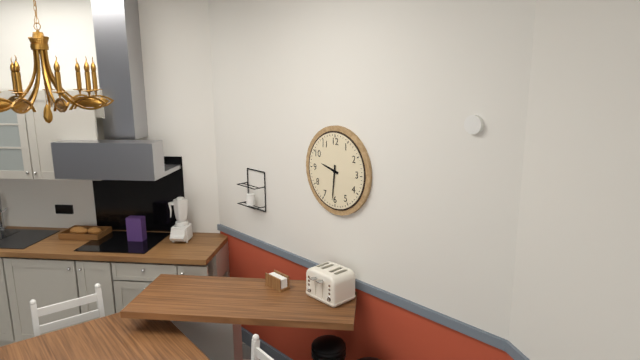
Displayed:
9,31
